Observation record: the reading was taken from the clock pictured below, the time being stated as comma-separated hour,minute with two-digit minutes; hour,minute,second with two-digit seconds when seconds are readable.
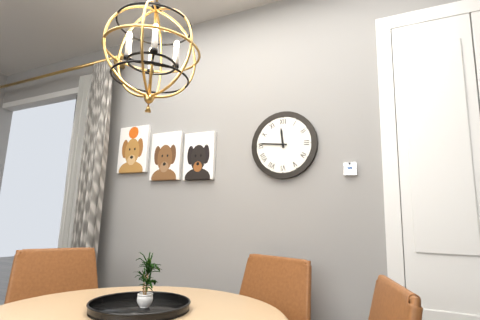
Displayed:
11,46
